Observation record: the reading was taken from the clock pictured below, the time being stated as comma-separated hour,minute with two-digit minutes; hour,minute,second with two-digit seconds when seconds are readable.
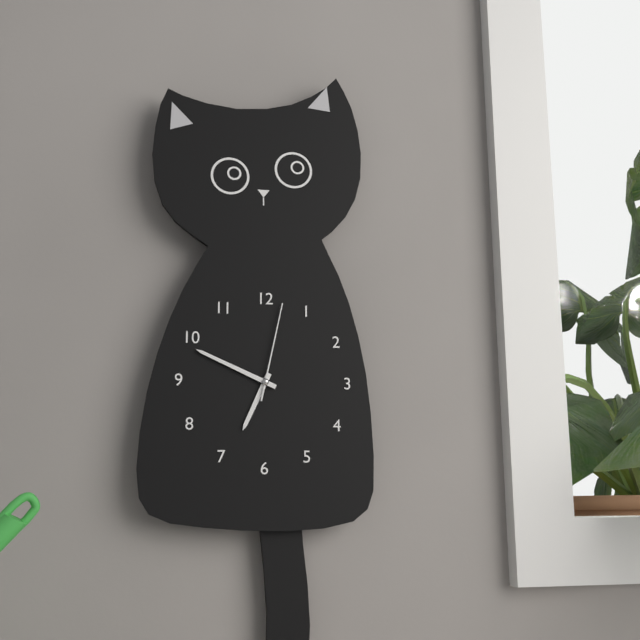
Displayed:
6,49,02
